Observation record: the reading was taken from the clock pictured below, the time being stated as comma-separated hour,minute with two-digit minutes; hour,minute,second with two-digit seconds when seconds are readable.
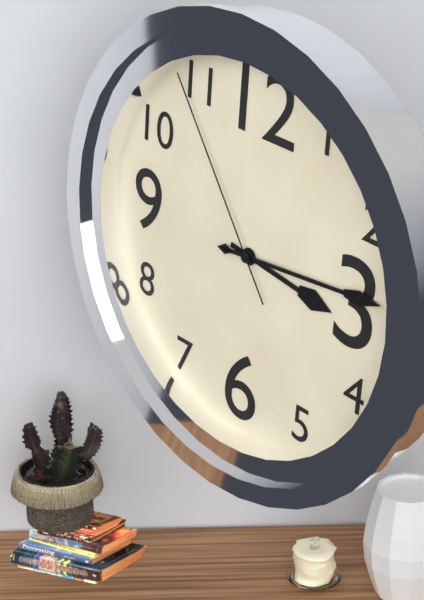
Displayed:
3,14,54
